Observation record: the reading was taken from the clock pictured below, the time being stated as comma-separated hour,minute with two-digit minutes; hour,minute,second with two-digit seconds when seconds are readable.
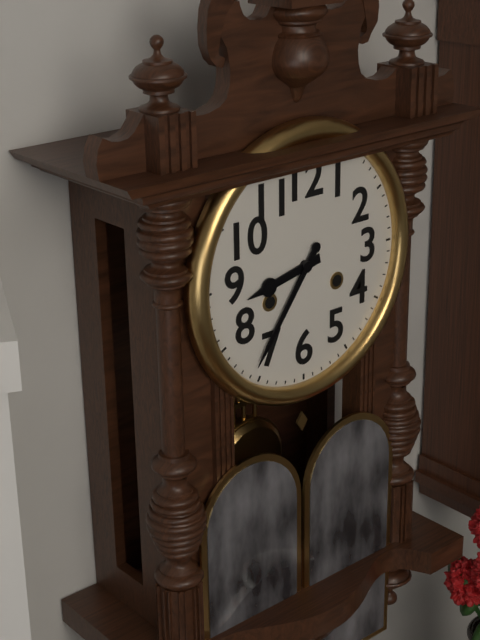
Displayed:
8,36
